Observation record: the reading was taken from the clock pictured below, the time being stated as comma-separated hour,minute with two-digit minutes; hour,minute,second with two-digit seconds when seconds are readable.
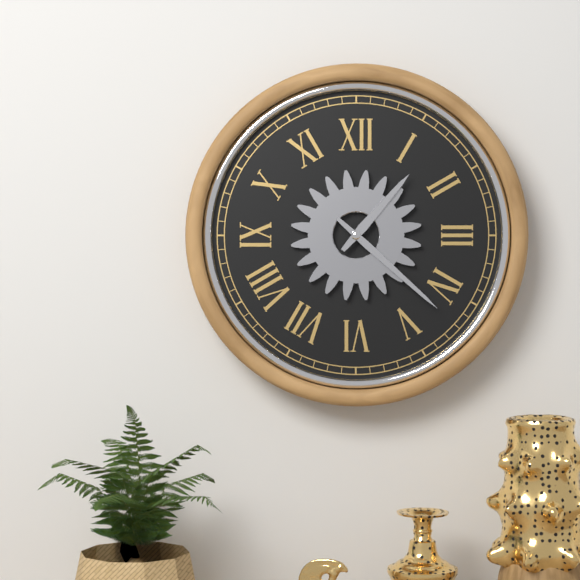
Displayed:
1,22
